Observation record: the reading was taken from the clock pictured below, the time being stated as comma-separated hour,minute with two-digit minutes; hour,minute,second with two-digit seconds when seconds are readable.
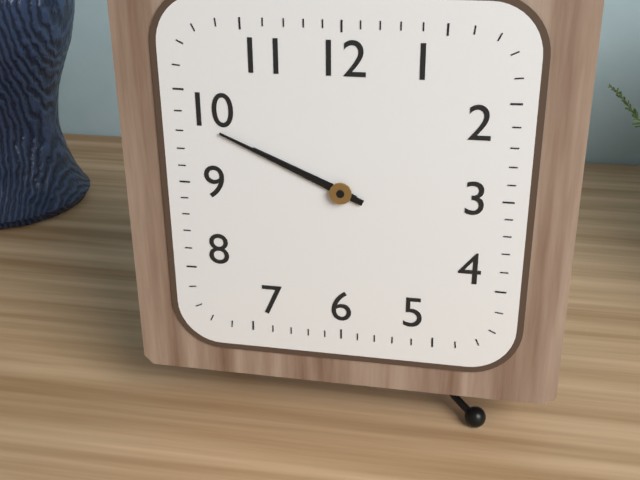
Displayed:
9,49
